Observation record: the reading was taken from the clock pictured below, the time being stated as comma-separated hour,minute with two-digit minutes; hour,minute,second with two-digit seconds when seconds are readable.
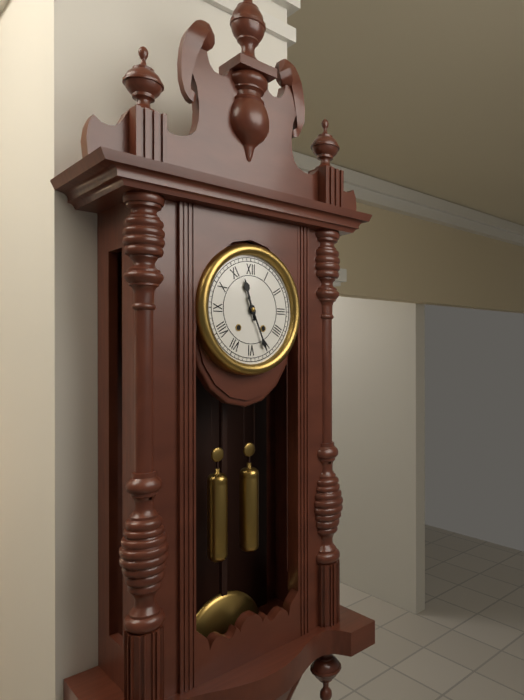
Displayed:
11,26
